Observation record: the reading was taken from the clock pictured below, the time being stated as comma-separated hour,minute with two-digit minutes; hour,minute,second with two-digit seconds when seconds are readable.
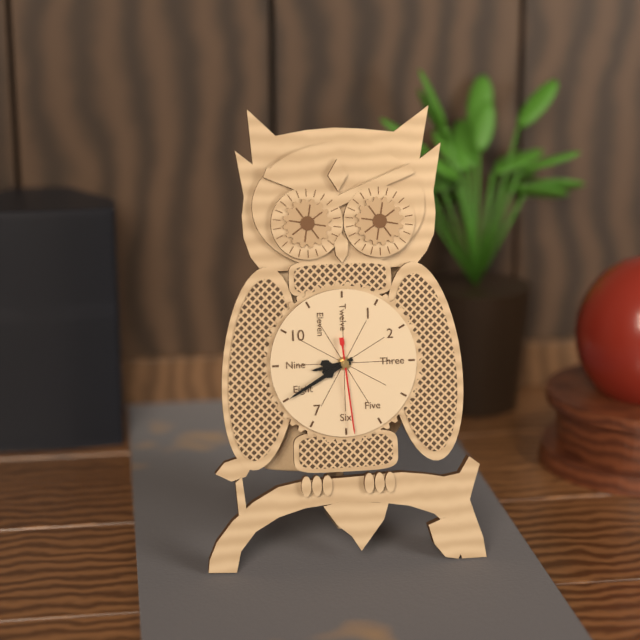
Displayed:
8,40,29
